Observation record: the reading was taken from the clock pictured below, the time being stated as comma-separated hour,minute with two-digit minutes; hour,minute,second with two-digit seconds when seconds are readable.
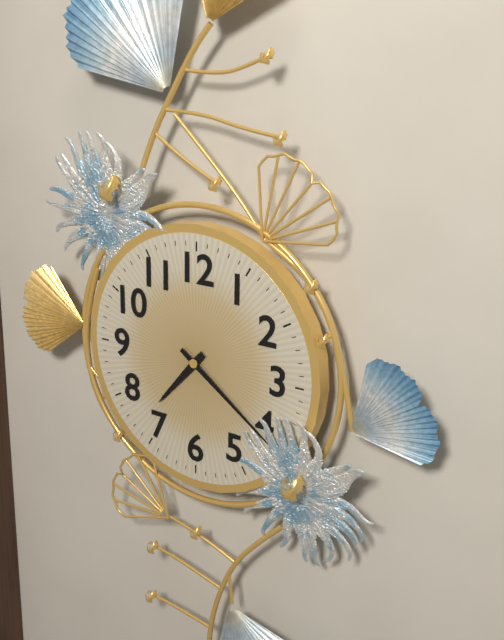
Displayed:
7,21
